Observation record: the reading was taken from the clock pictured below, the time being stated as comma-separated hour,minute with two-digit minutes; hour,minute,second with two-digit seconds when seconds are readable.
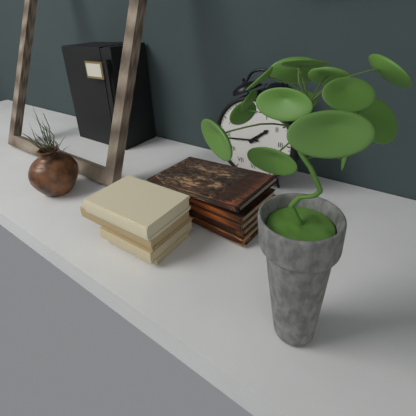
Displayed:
1,44
